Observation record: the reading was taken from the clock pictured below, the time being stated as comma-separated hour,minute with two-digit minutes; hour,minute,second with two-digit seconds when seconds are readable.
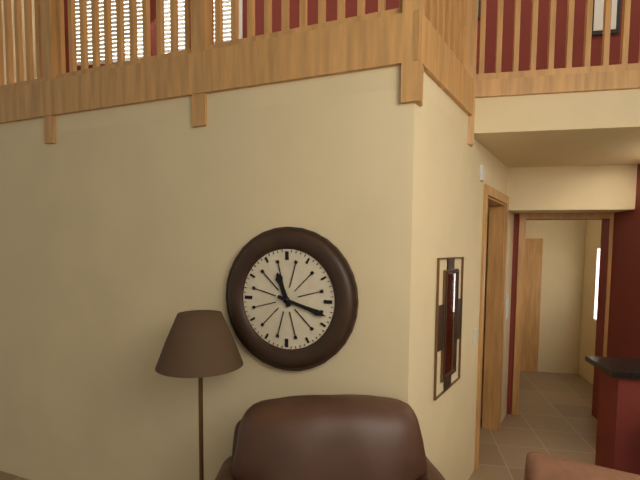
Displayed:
11,18
